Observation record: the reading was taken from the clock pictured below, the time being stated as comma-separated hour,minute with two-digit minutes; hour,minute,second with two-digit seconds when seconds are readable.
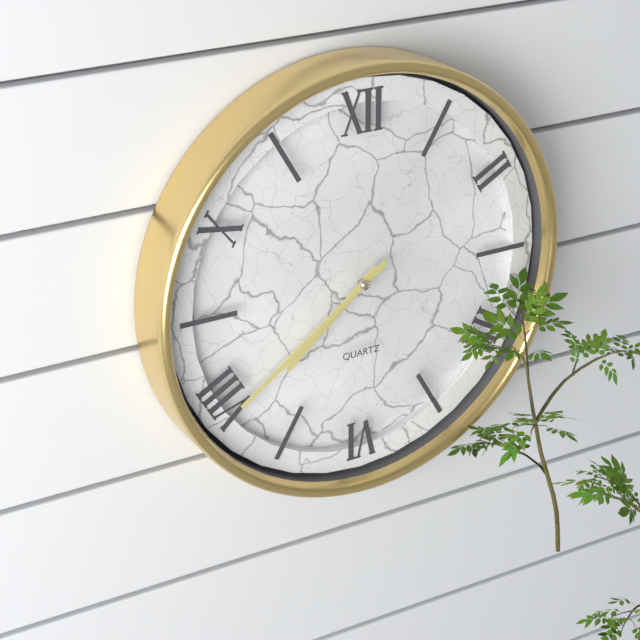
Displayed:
7,39
